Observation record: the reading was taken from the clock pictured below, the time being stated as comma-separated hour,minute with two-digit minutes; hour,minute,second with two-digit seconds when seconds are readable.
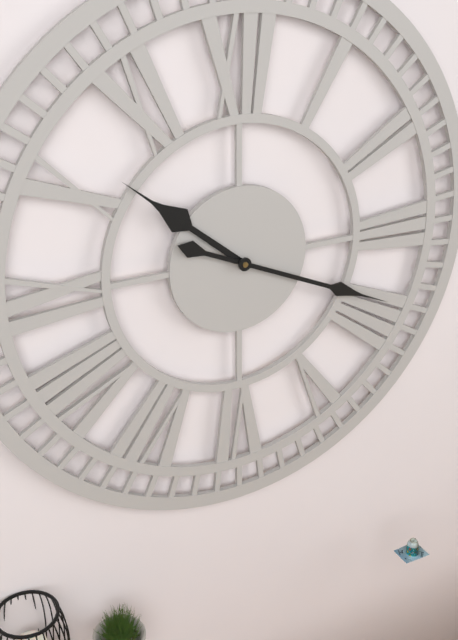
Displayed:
10,19
